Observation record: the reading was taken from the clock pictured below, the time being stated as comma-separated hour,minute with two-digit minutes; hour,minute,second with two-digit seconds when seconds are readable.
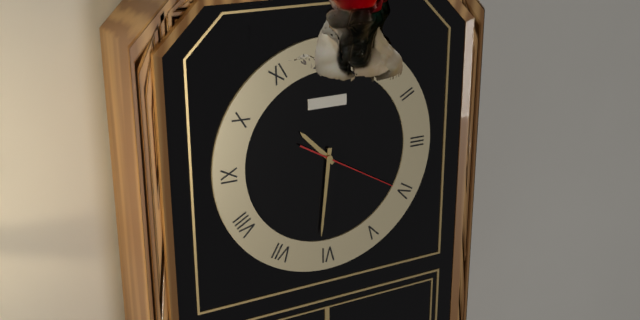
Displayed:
10,31,20
